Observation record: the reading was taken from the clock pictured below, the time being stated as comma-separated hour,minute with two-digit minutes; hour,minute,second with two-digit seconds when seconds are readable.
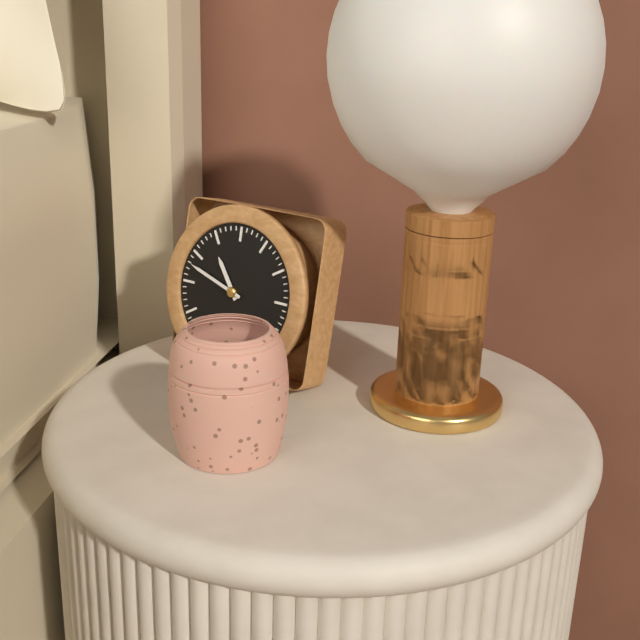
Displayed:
10,48
